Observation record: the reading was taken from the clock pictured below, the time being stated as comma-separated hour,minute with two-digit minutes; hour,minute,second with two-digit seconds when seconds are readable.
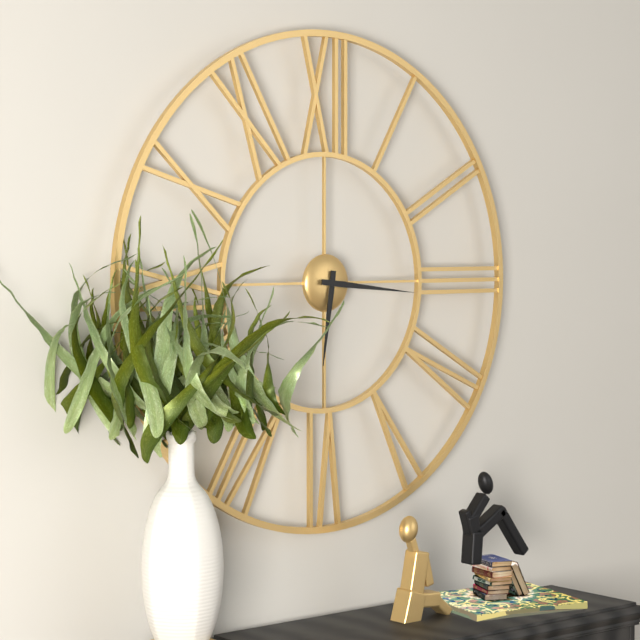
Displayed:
6,16
